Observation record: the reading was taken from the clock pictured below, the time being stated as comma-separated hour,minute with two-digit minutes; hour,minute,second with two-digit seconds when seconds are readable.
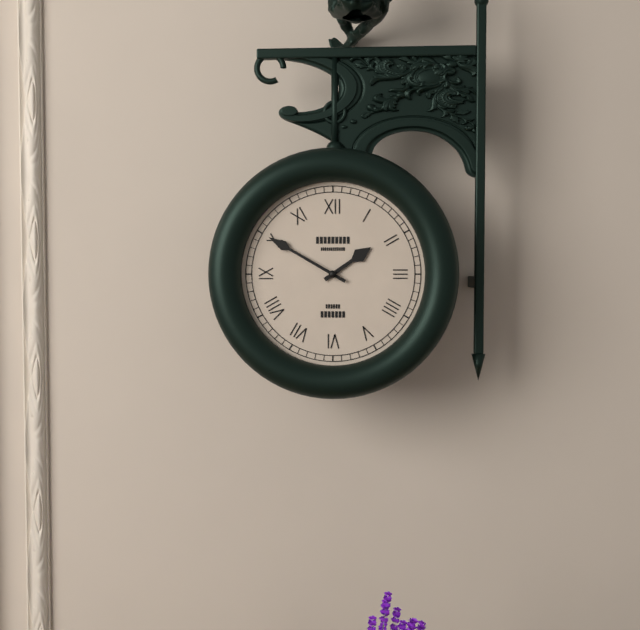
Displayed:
1,50
